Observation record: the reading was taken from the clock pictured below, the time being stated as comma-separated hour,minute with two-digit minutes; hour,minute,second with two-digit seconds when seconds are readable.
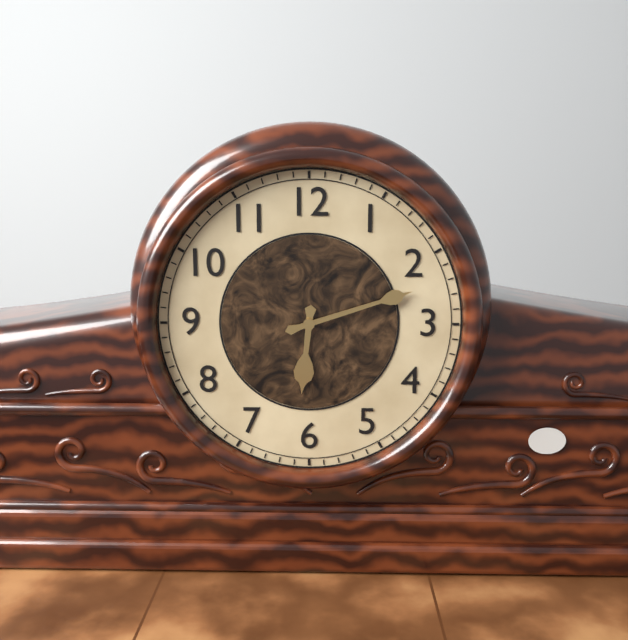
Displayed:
6,12
